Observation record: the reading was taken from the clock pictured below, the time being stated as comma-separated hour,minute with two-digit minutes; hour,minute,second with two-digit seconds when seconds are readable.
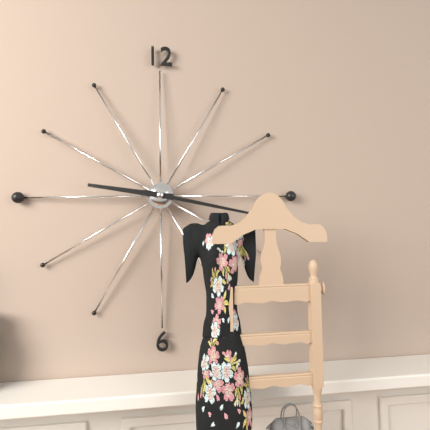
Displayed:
9,17
